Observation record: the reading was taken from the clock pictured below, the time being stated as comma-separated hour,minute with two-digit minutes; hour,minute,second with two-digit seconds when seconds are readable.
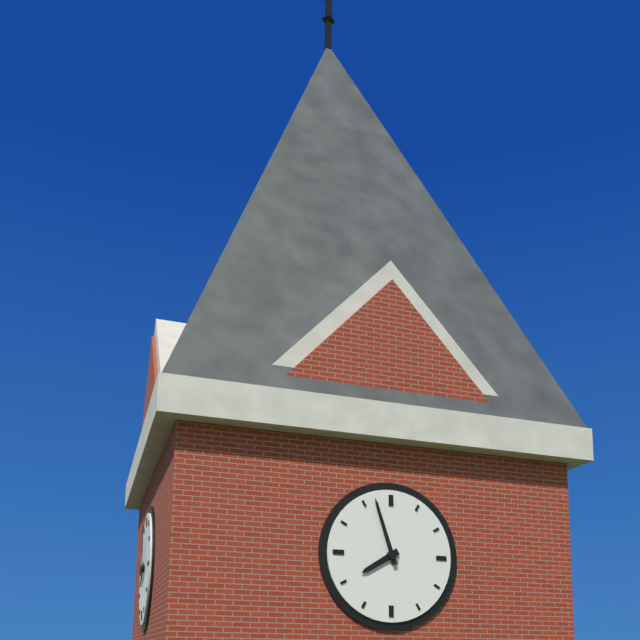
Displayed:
7,57
